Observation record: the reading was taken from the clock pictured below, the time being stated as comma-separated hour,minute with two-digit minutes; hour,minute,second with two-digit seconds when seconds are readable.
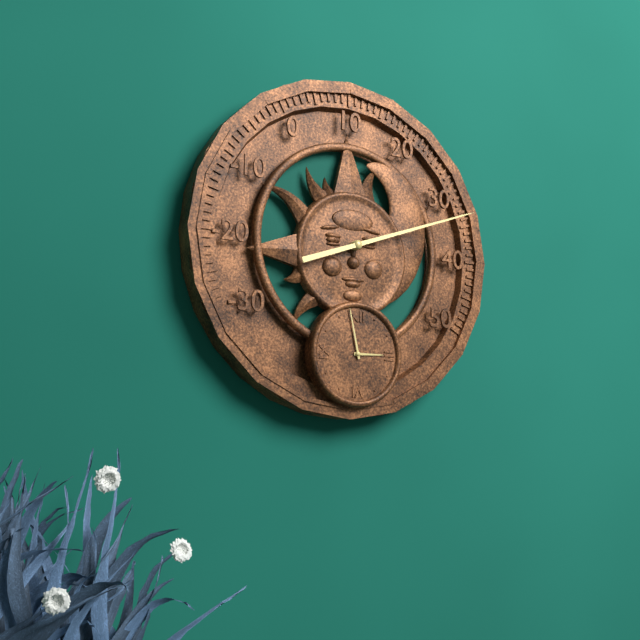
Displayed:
2,58
